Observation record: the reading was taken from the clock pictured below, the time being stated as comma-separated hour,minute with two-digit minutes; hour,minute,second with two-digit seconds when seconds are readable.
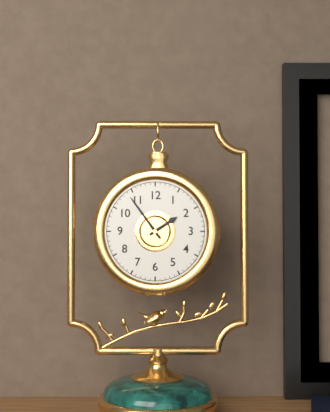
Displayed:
1,54
